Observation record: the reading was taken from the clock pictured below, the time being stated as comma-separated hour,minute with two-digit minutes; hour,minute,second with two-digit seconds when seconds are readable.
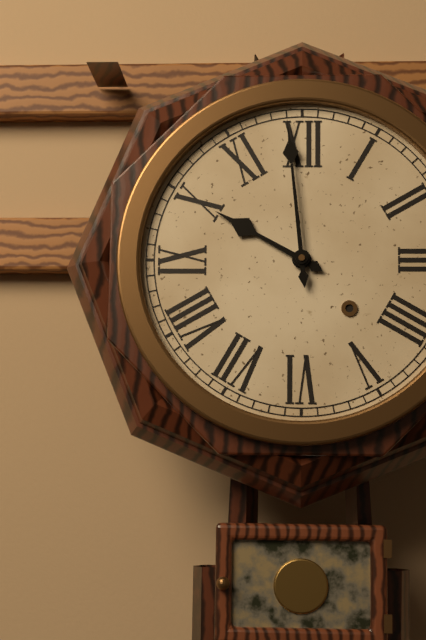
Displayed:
9,59
